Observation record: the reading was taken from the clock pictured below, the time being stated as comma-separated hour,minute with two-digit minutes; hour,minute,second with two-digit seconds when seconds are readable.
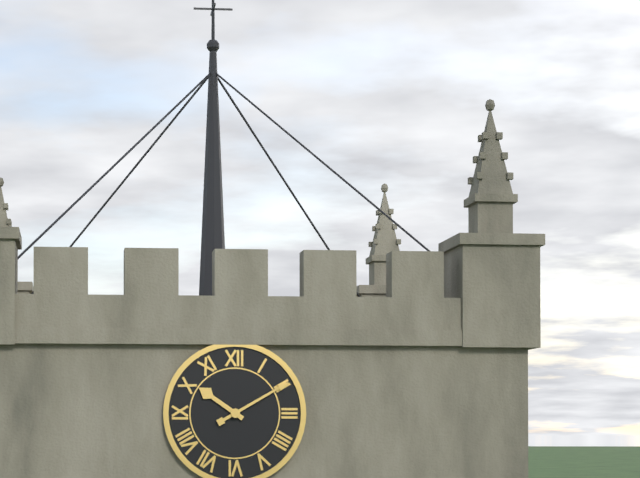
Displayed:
10,10
